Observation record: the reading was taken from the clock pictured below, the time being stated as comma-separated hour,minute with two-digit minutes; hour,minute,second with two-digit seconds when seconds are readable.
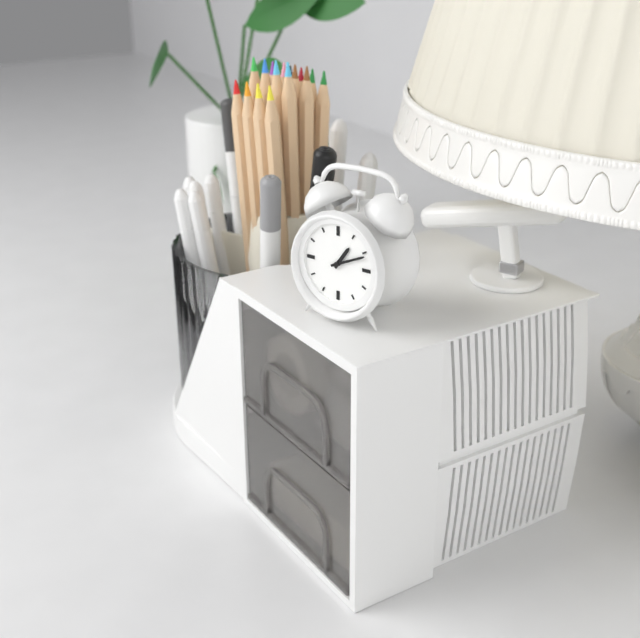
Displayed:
1,11
